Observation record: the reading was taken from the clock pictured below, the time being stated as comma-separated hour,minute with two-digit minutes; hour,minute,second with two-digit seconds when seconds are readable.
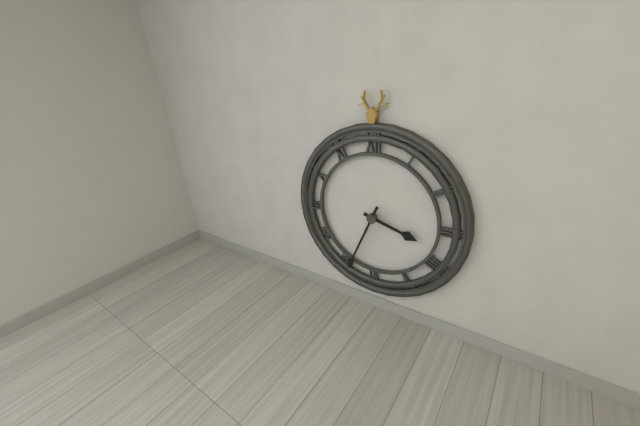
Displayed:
3,34
